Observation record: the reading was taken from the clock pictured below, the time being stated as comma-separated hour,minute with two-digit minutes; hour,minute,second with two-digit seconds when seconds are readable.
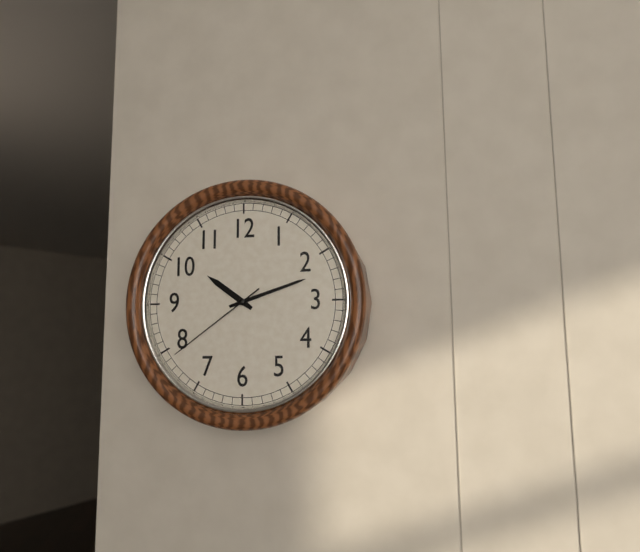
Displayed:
10,12,39
